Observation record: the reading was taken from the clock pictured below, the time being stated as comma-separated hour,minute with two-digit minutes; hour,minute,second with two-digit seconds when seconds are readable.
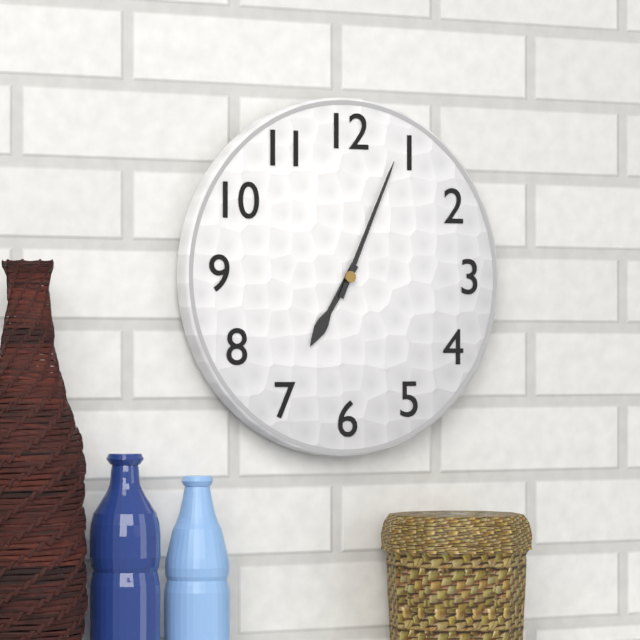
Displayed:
7,04
